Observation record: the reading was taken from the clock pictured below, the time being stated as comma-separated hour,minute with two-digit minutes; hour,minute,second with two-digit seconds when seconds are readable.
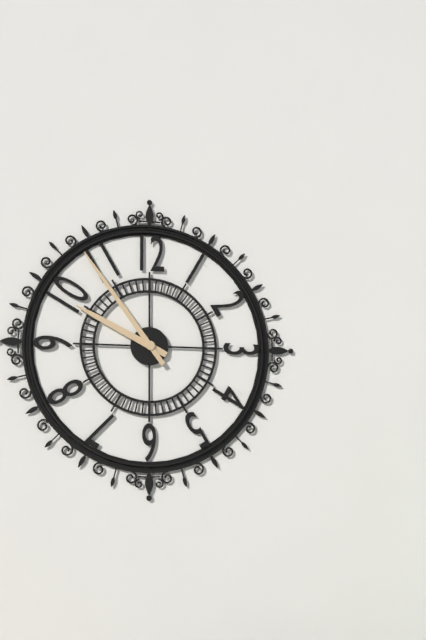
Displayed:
9,54
